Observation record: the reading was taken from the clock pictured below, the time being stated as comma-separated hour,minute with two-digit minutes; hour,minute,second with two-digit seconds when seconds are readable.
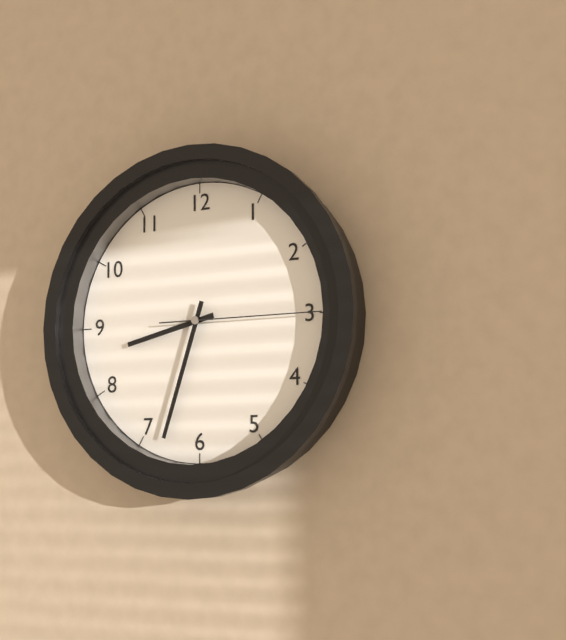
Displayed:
8,33,15
